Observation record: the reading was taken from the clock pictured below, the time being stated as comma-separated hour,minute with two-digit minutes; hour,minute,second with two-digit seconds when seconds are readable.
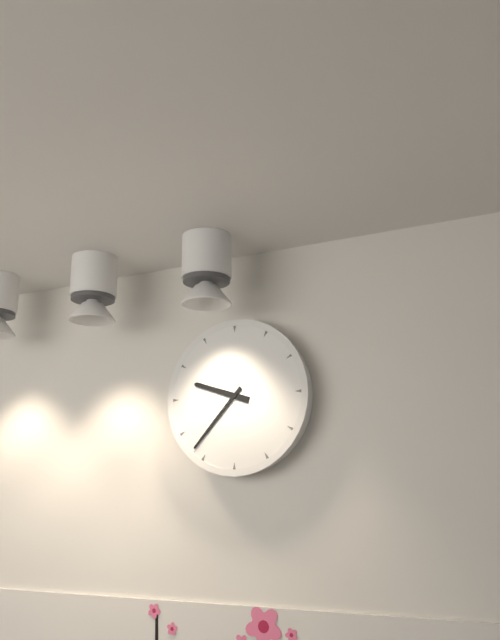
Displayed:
9,37
